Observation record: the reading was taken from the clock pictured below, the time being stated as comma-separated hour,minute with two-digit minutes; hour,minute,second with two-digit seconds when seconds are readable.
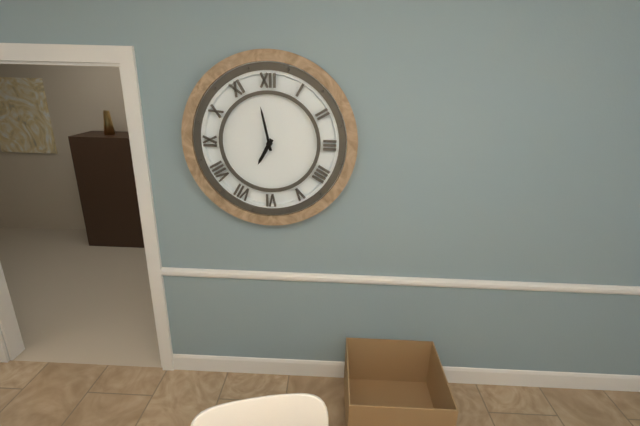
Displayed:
6,58
